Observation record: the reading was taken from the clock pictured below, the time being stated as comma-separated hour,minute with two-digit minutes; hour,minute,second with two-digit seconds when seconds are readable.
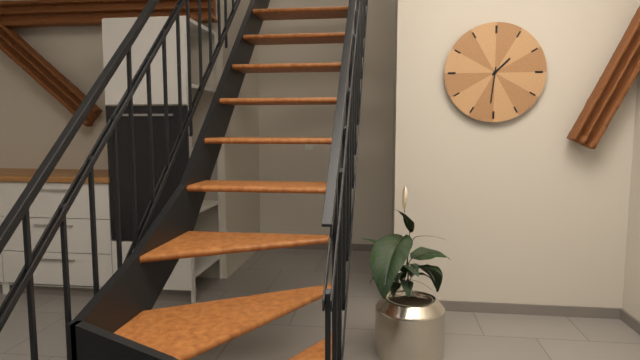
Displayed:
1,31
